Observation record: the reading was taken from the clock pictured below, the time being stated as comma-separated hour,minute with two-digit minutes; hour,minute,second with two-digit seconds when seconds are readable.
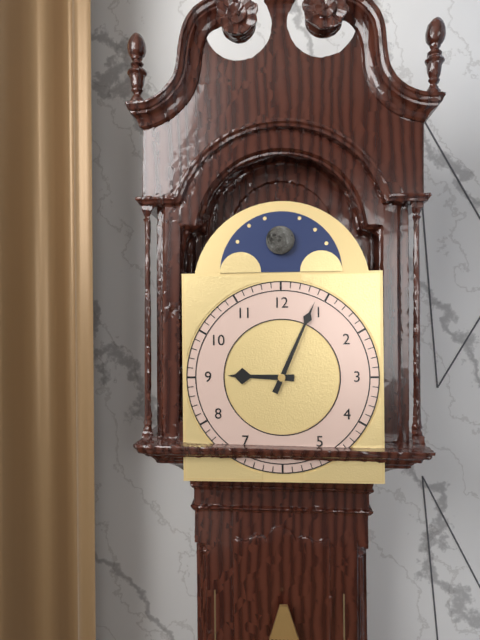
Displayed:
9,04
